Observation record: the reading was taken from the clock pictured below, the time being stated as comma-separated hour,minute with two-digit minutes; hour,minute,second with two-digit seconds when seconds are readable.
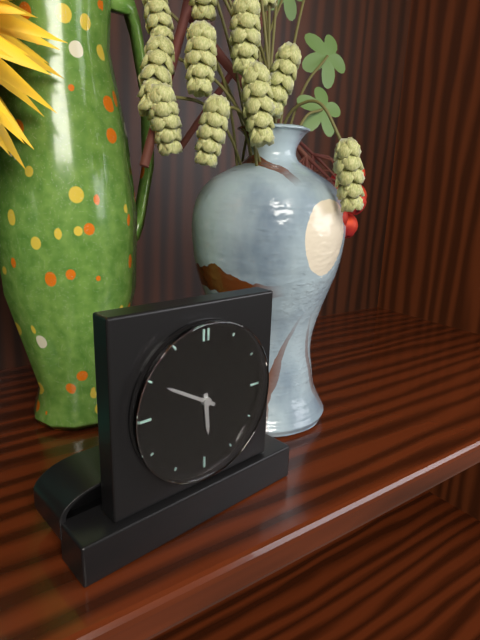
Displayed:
5,50
